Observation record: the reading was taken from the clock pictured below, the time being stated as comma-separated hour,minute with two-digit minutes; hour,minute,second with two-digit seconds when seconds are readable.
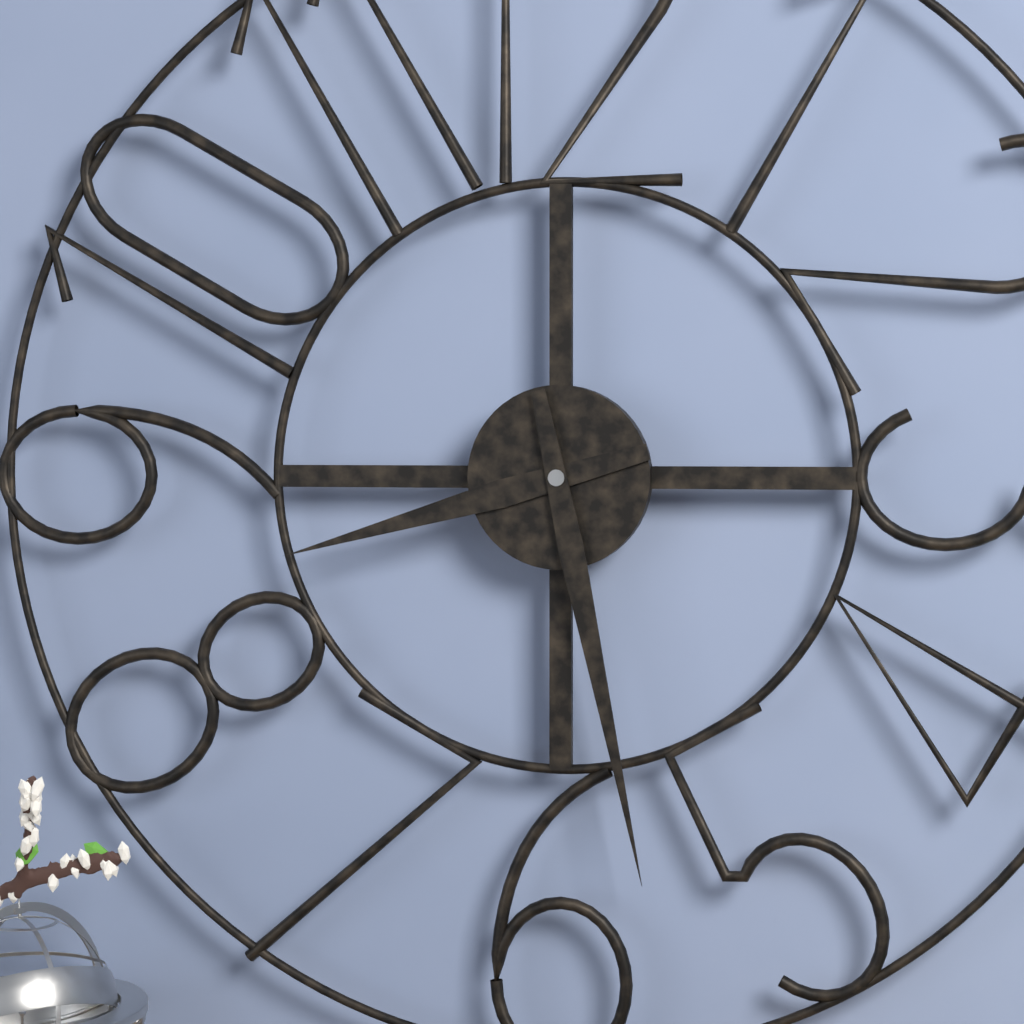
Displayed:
8,28
